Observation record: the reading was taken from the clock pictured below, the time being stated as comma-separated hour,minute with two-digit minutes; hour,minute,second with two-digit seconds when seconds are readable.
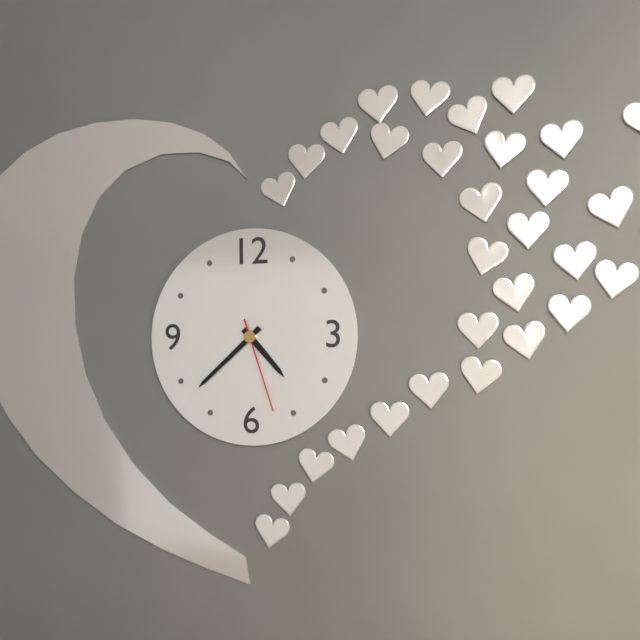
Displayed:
4,38,27
